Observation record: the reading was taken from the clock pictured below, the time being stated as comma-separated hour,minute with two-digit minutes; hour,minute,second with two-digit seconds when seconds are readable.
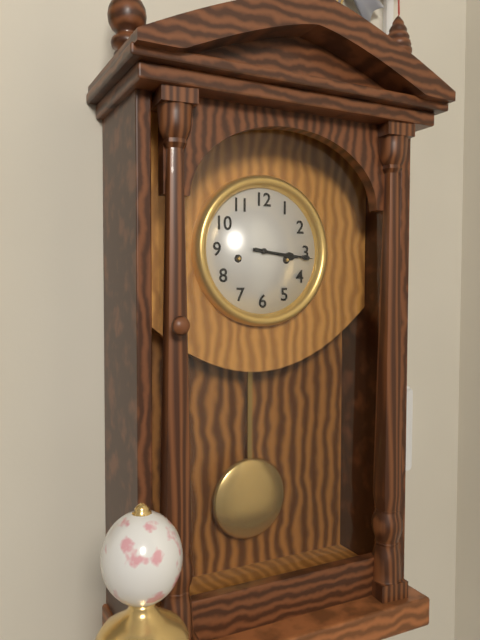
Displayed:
3,16
